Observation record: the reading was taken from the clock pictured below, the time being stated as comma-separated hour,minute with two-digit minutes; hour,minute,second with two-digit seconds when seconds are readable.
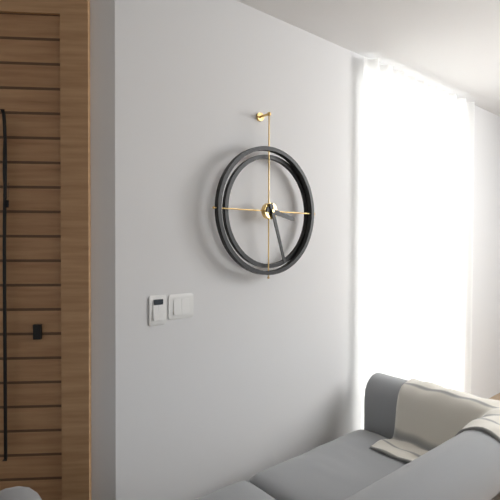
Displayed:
3,27
